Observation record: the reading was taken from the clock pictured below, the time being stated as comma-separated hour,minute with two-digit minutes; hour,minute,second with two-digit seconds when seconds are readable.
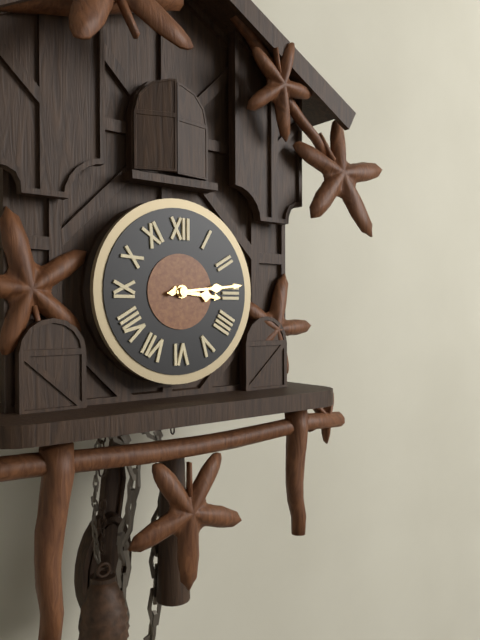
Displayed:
3,14
